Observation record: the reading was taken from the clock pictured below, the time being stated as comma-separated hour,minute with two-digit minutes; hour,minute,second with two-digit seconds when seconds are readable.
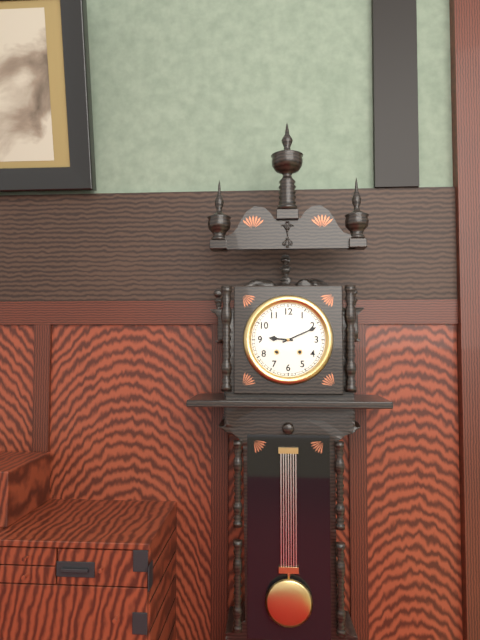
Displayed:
9,11
